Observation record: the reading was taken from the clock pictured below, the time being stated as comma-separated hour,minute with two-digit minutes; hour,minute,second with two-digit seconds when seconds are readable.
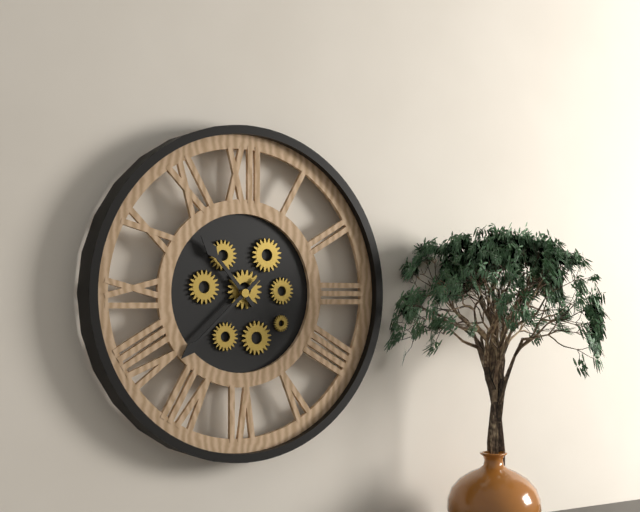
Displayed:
10,38
